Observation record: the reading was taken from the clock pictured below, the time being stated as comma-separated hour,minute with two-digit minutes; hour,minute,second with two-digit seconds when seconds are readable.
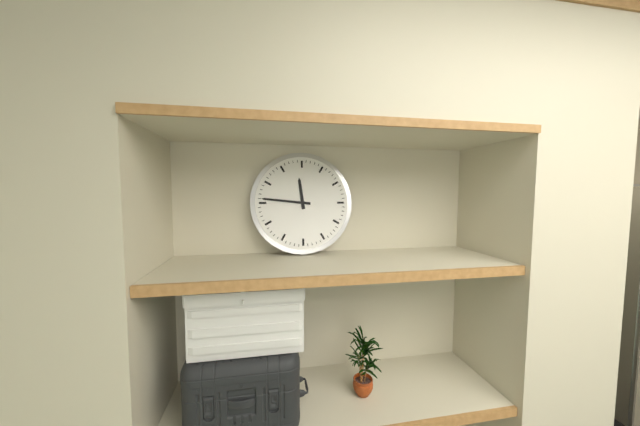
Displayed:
11,46
